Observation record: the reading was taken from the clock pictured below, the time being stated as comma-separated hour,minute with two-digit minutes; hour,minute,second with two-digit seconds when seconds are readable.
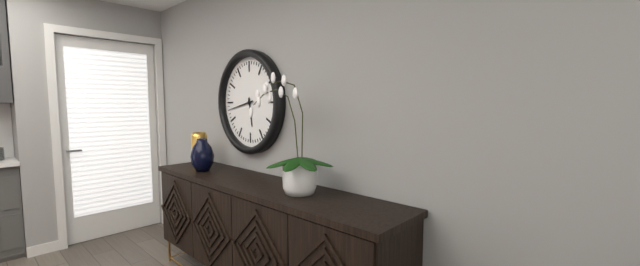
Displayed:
5,43
